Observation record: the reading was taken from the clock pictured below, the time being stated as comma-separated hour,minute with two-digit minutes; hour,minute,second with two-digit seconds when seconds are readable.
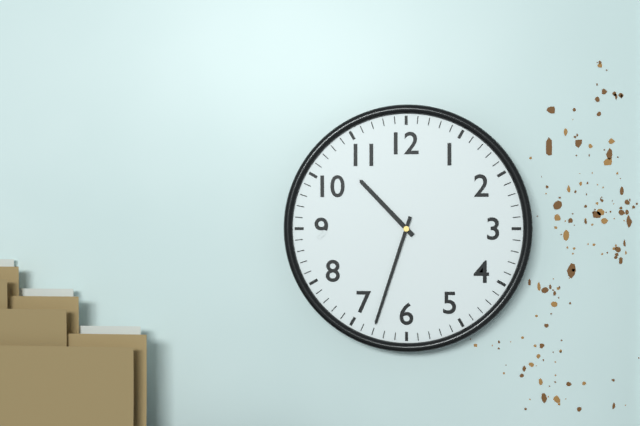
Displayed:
10,33
